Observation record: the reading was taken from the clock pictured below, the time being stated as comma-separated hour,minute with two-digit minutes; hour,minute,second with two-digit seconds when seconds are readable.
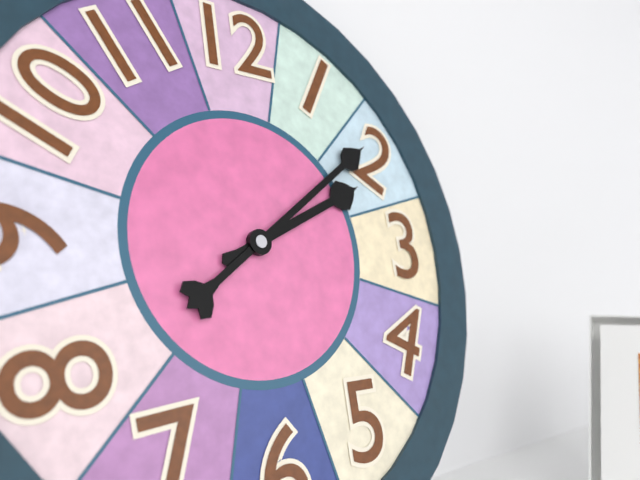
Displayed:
2,09
